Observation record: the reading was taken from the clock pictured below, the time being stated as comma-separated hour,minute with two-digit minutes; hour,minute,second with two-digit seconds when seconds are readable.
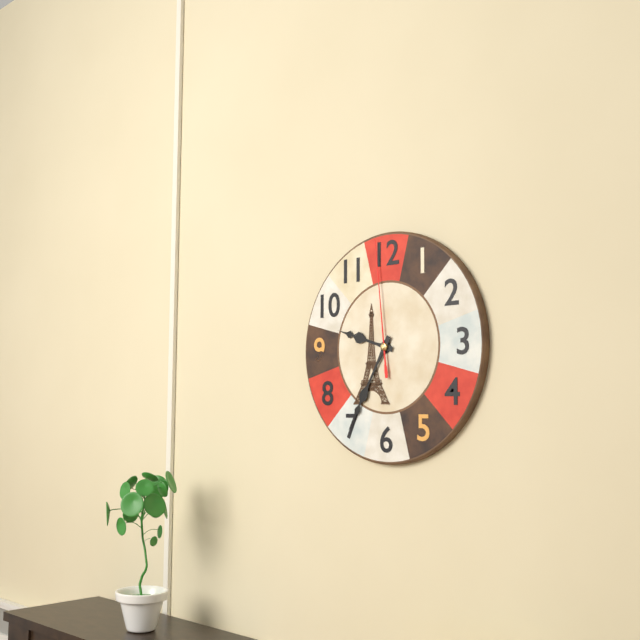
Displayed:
9,35,59
